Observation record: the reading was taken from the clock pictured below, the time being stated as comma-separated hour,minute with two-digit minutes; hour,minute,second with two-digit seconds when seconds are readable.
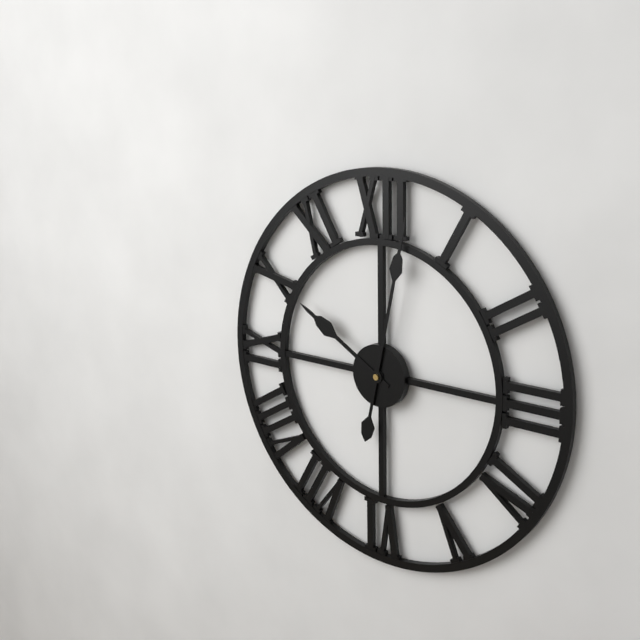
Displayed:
10,02
